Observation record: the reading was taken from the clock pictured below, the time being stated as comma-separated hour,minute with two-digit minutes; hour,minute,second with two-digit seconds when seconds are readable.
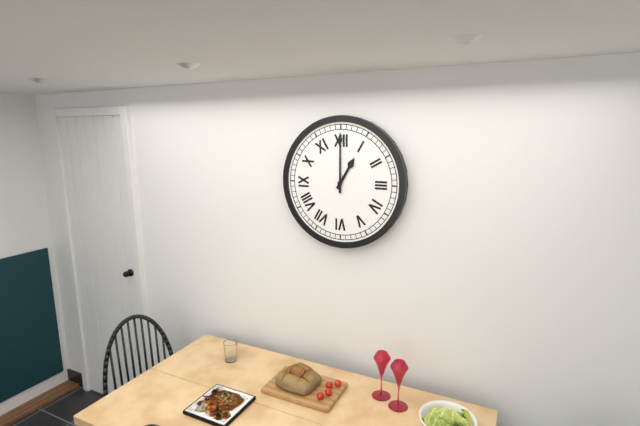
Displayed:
1,00
